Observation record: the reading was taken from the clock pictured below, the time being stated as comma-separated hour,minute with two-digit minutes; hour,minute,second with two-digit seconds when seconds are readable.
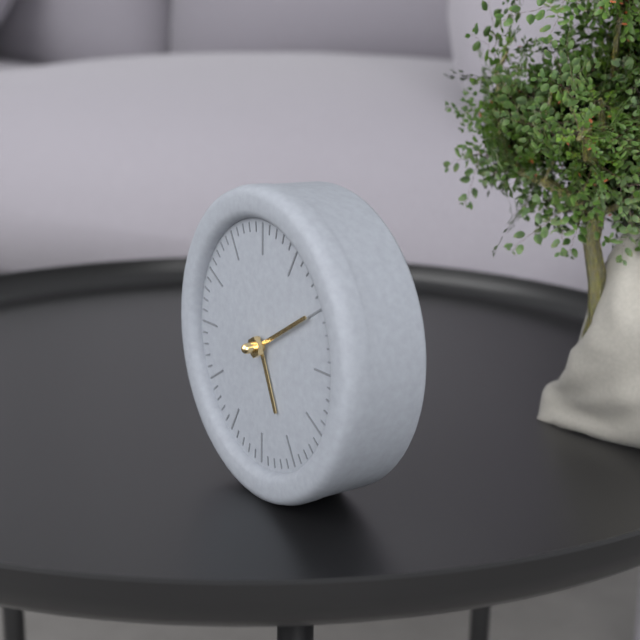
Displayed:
5,10
